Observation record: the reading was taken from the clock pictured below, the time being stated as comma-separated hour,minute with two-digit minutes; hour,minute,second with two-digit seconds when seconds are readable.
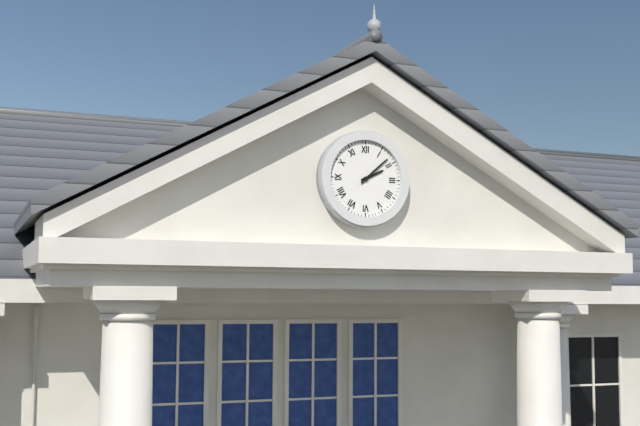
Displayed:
2,08
